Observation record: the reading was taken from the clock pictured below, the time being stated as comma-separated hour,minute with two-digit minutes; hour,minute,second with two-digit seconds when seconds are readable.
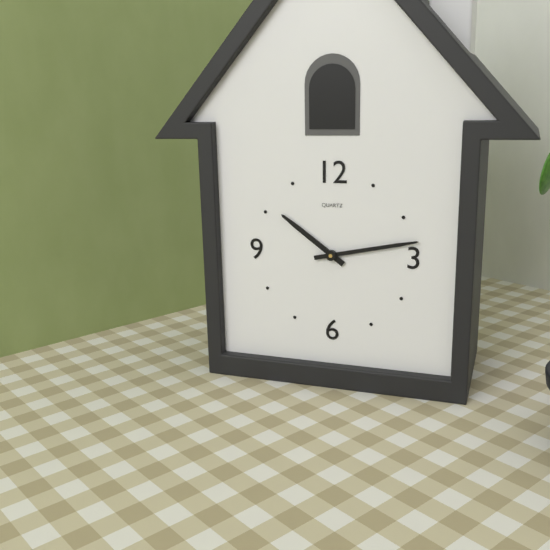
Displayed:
10,13
